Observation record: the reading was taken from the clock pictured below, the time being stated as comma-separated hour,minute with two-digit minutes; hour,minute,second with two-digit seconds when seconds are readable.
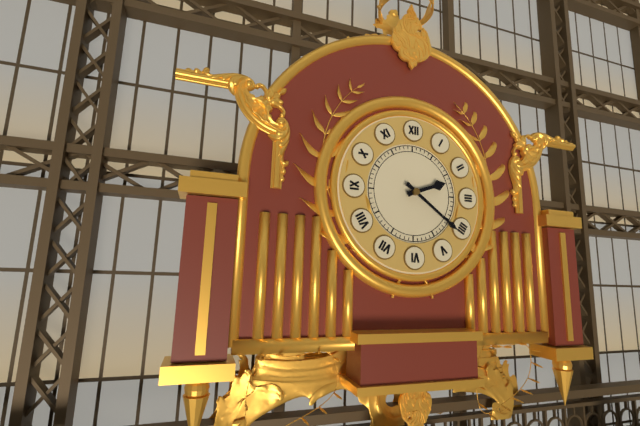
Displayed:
2,21
